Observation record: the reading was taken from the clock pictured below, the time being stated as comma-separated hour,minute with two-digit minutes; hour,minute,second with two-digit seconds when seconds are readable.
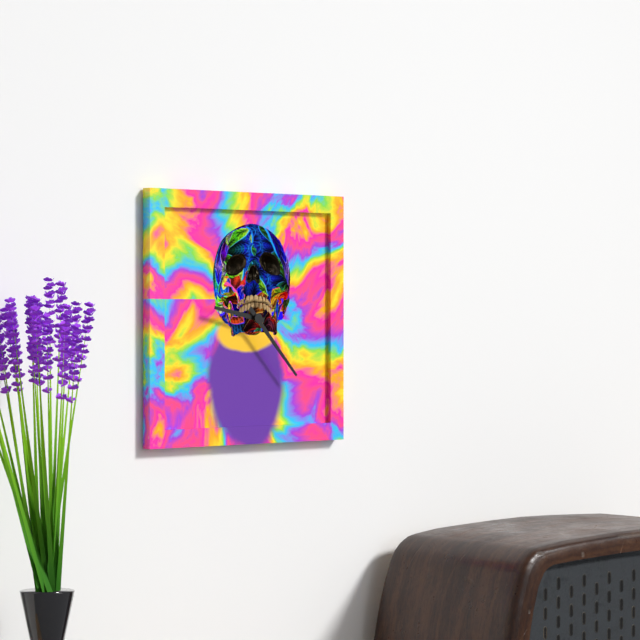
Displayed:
9,23
